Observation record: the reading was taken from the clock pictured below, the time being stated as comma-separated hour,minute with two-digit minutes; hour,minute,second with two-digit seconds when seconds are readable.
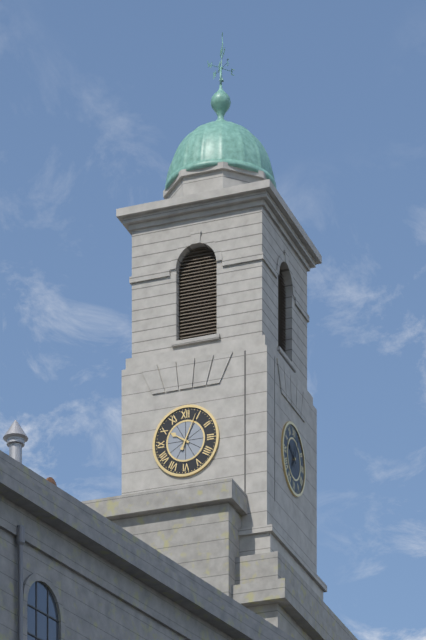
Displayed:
10,04
